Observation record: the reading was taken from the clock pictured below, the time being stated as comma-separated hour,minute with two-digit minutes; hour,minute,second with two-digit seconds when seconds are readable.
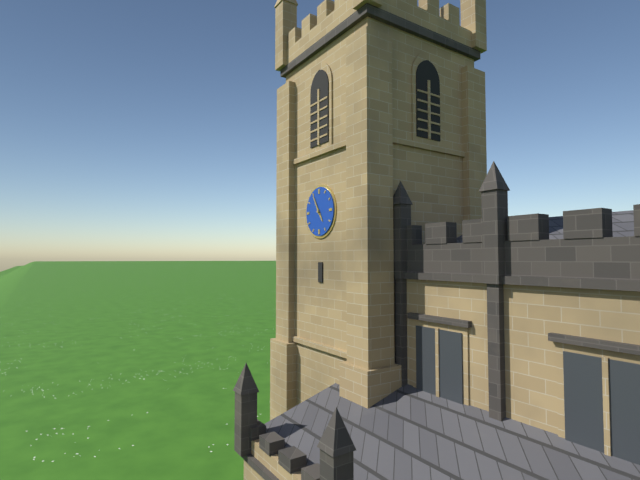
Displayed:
4,55
